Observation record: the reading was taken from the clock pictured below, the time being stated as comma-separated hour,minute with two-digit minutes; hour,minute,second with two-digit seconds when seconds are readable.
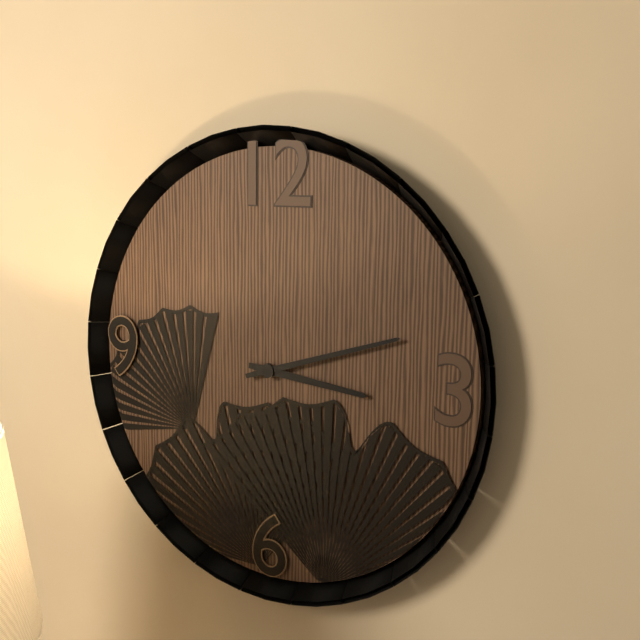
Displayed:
3,12
